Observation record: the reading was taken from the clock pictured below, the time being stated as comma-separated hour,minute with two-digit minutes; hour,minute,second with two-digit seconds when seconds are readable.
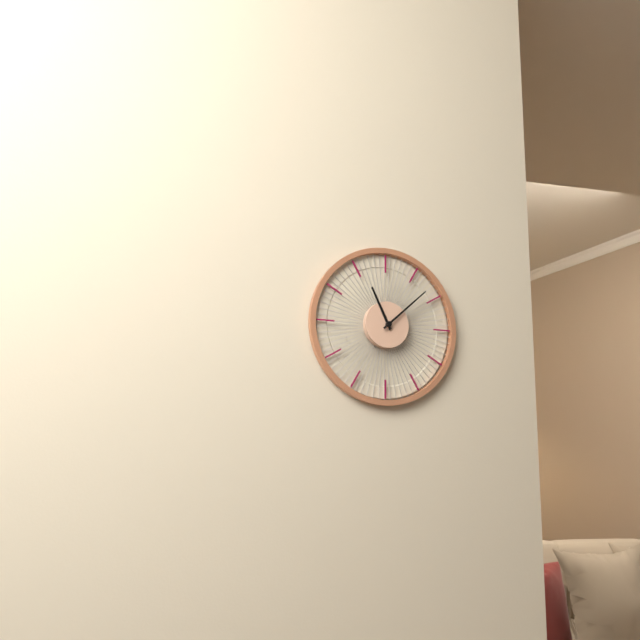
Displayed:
11,08
